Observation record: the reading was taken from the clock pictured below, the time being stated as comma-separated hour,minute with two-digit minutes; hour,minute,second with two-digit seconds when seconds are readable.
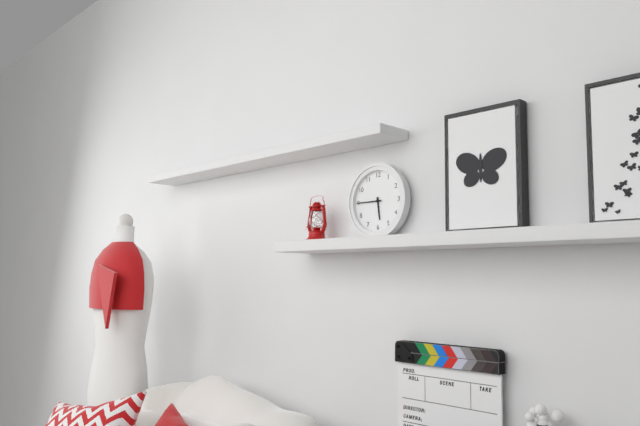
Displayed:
5,45
